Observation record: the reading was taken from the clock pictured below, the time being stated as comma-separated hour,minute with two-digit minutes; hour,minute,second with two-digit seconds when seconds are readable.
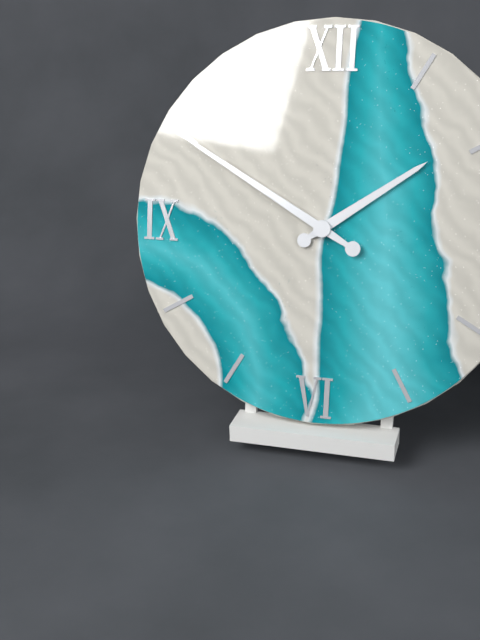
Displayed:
1,50
